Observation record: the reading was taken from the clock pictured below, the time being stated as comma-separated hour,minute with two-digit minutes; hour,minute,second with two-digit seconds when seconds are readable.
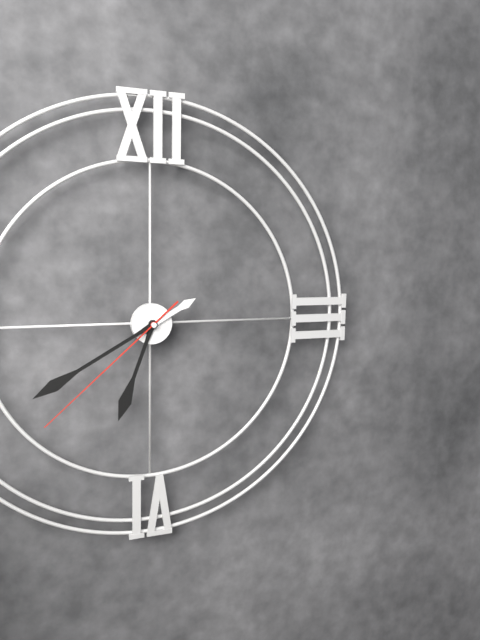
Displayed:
6,40,38
